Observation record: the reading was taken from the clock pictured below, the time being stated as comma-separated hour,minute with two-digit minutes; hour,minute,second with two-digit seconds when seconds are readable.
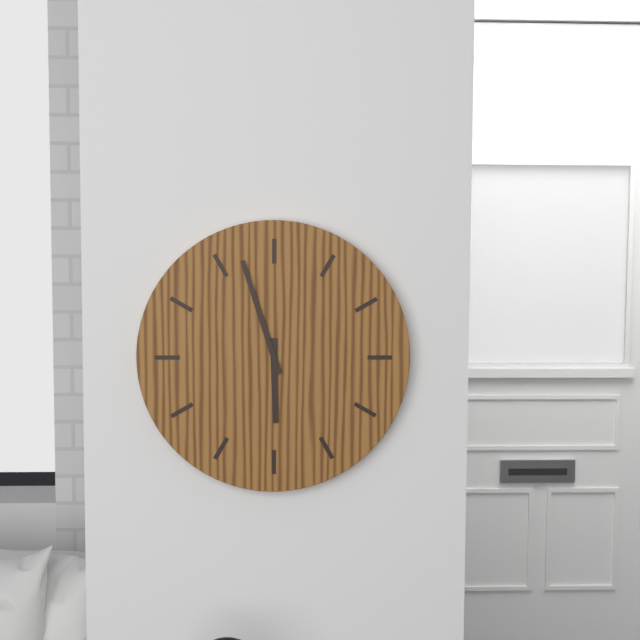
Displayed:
5,57
